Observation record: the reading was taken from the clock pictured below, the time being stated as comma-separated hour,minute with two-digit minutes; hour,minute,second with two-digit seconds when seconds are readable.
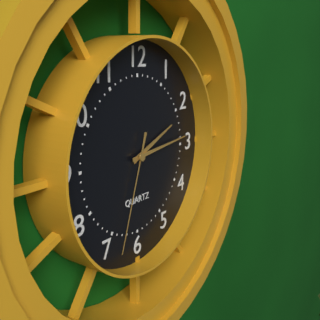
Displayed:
2,14,33
